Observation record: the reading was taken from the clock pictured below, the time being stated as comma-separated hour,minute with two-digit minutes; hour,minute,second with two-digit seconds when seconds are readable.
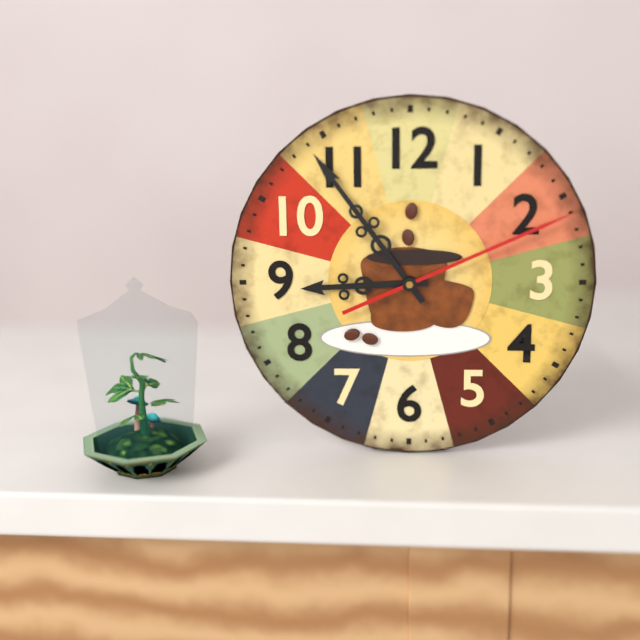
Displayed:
8,54,11
